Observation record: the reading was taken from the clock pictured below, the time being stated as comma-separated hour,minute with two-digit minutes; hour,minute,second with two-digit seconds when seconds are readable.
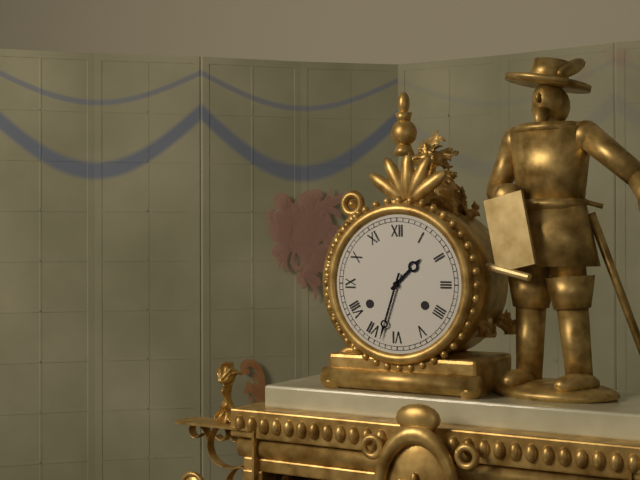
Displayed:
1,33
